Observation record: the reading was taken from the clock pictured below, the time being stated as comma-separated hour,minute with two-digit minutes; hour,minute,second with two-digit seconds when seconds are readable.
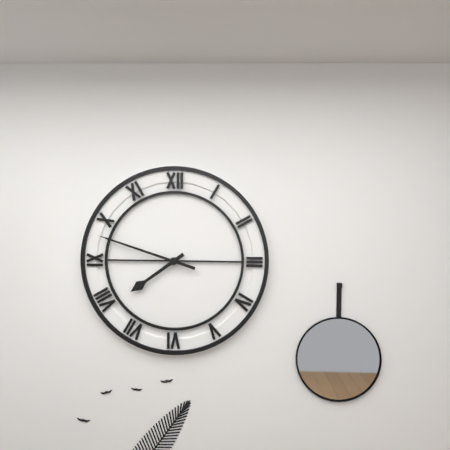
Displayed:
7,48
